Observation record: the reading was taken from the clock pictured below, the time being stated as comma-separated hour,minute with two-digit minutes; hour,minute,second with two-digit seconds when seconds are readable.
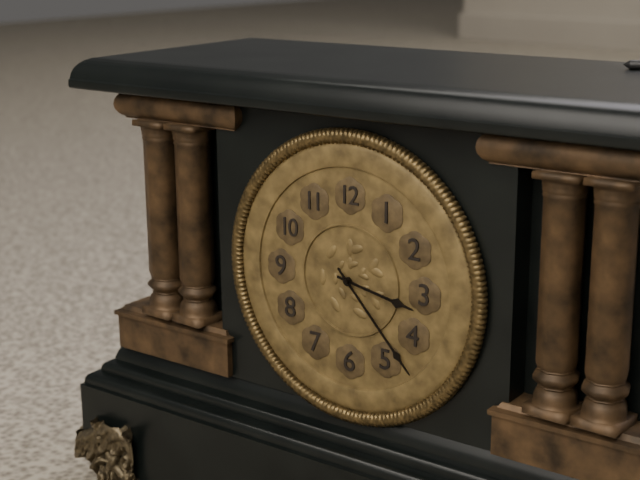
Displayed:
3,23
